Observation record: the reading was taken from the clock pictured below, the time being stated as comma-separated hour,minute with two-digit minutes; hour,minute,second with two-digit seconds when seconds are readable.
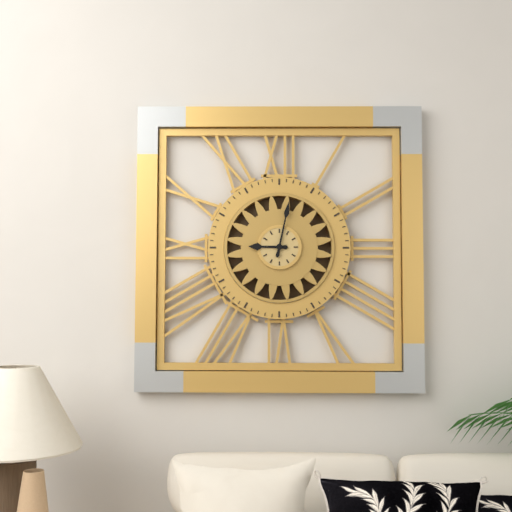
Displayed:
9,02
